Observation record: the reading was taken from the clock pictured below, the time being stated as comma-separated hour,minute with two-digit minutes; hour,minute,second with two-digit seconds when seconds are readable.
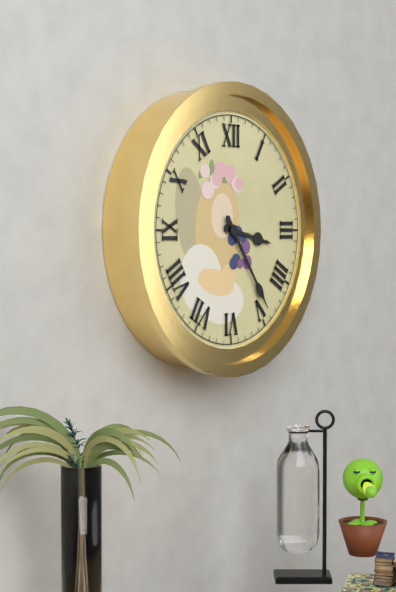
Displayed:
3,24
